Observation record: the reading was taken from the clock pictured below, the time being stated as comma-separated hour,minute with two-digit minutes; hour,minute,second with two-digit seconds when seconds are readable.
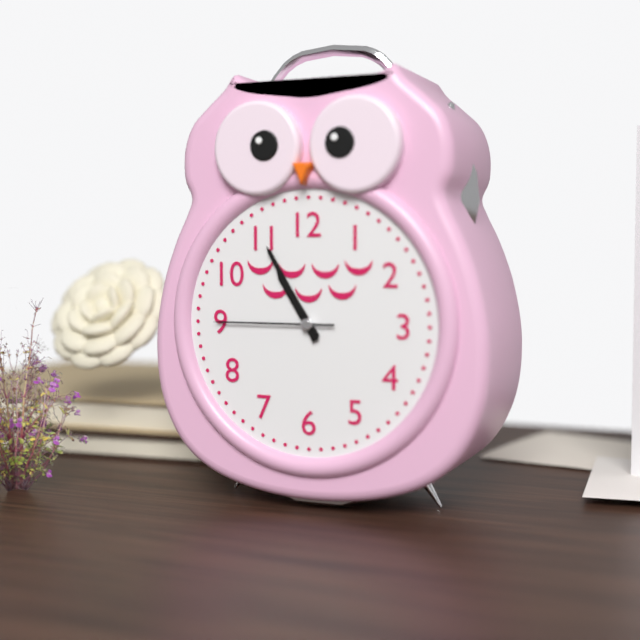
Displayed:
10,55,45
